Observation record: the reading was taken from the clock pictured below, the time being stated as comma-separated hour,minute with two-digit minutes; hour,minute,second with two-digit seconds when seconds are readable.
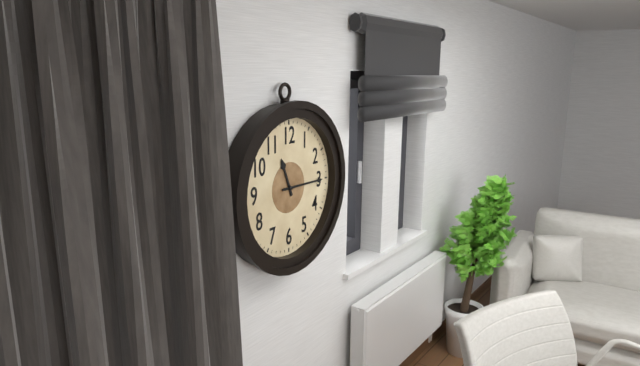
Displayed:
11,15
